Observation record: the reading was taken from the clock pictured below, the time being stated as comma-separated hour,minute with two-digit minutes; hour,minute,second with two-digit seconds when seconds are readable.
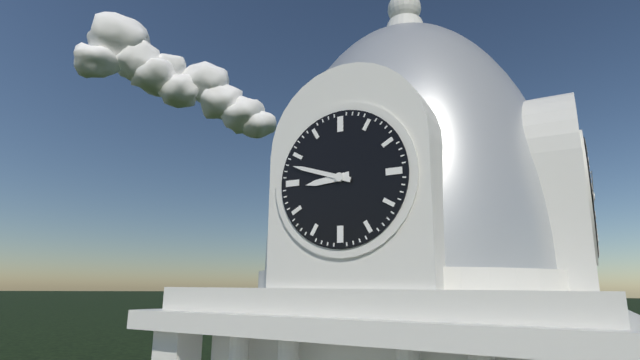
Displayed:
8,48
